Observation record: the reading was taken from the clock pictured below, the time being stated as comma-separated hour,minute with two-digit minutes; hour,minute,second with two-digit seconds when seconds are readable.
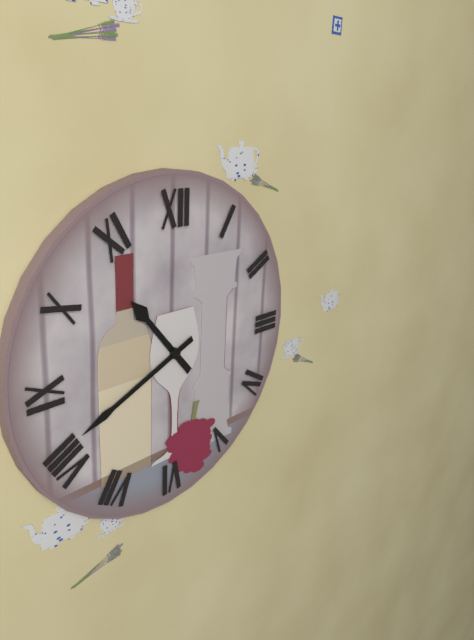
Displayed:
10,41
